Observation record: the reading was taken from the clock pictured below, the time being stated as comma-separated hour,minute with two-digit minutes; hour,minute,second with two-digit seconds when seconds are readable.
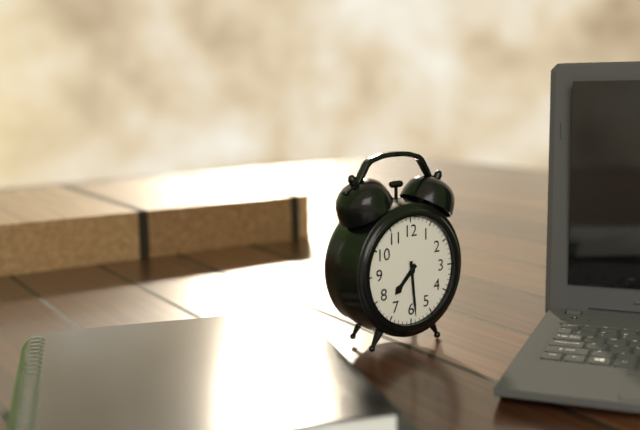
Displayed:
7,29
